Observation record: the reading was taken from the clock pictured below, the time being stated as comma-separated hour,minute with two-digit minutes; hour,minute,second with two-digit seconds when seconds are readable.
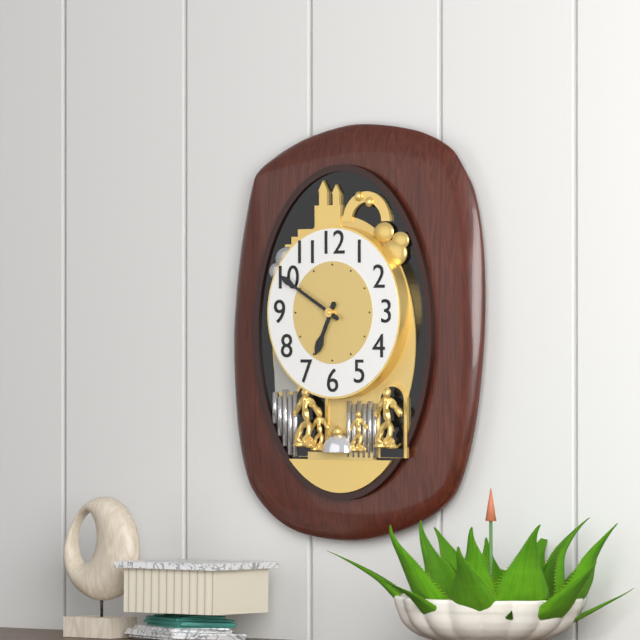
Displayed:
6,50
